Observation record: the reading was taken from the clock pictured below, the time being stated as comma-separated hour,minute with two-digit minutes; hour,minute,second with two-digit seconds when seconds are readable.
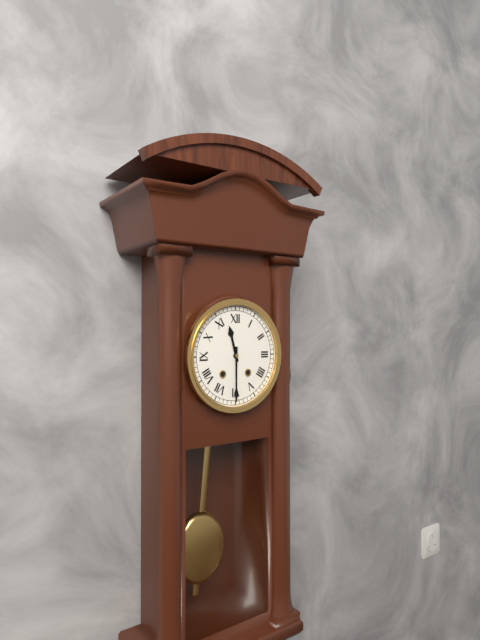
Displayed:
11,30
